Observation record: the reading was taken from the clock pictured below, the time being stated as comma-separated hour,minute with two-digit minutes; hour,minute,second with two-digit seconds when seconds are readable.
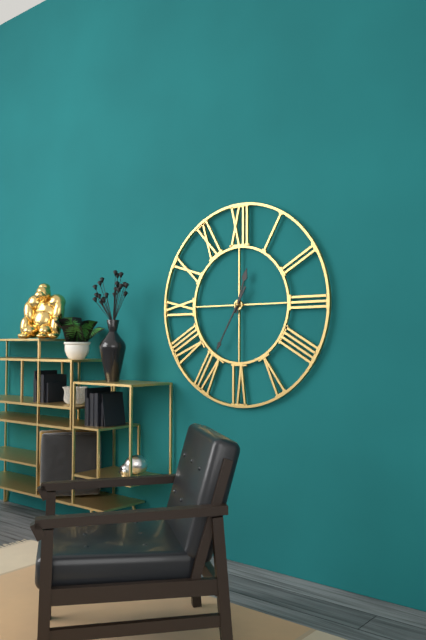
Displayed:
12,35
